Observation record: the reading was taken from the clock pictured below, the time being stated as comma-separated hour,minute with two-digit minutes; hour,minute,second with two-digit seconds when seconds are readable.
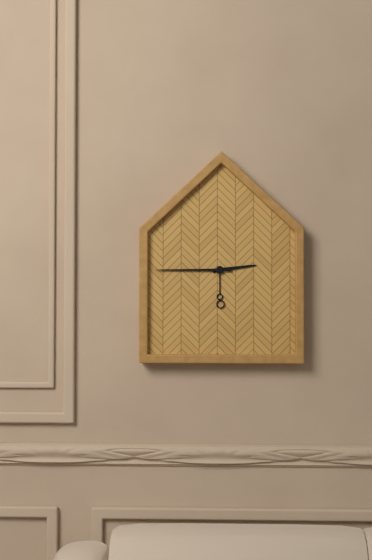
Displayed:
2,45
